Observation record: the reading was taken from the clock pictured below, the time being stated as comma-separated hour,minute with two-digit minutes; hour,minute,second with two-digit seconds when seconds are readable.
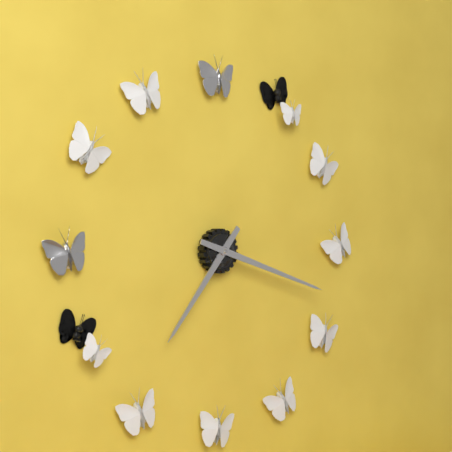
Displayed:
7,18
